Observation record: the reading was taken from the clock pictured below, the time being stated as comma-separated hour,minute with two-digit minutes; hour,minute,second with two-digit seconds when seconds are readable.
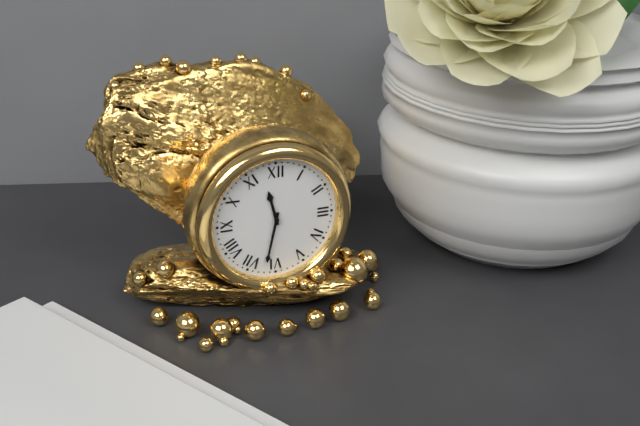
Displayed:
11,32
